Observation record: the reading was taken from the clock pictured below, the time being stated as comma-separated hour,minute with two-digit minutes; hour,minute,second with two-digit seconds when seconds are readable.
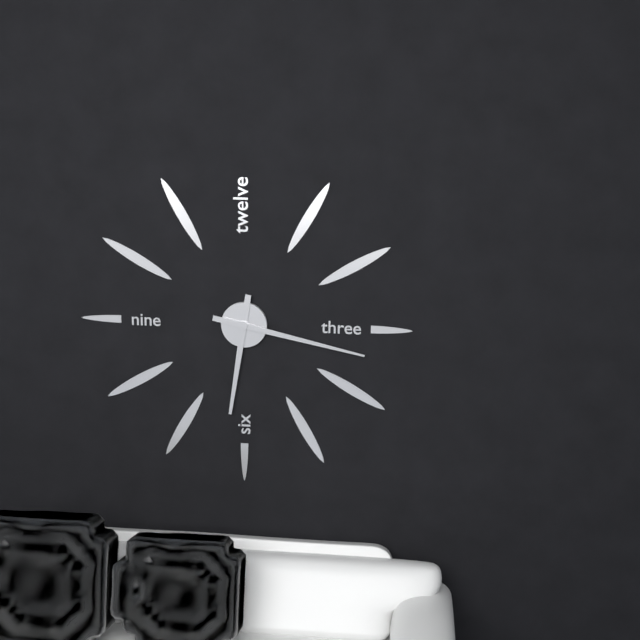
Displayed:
6,17
